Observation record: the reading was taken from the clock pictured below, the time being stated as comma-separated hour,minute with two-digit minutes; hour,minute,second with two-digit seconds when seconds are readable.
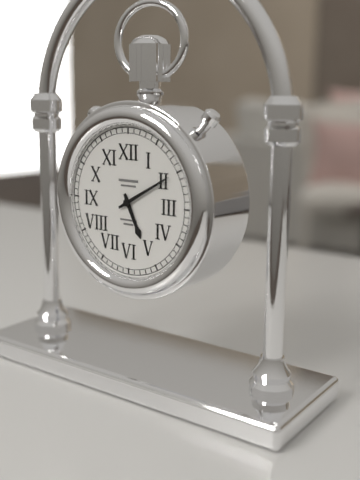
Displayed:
5,10
